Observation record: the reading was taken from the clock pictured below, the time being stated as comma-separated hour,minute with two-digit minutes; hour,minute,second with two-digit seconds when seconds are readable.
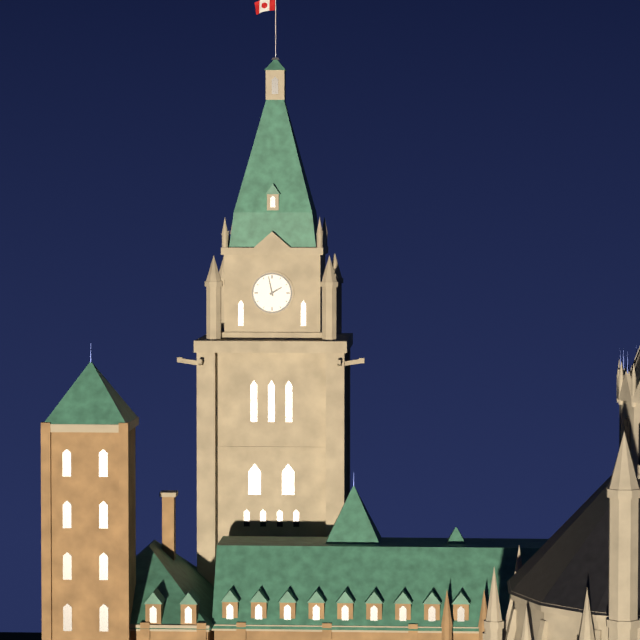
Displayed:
1,58
